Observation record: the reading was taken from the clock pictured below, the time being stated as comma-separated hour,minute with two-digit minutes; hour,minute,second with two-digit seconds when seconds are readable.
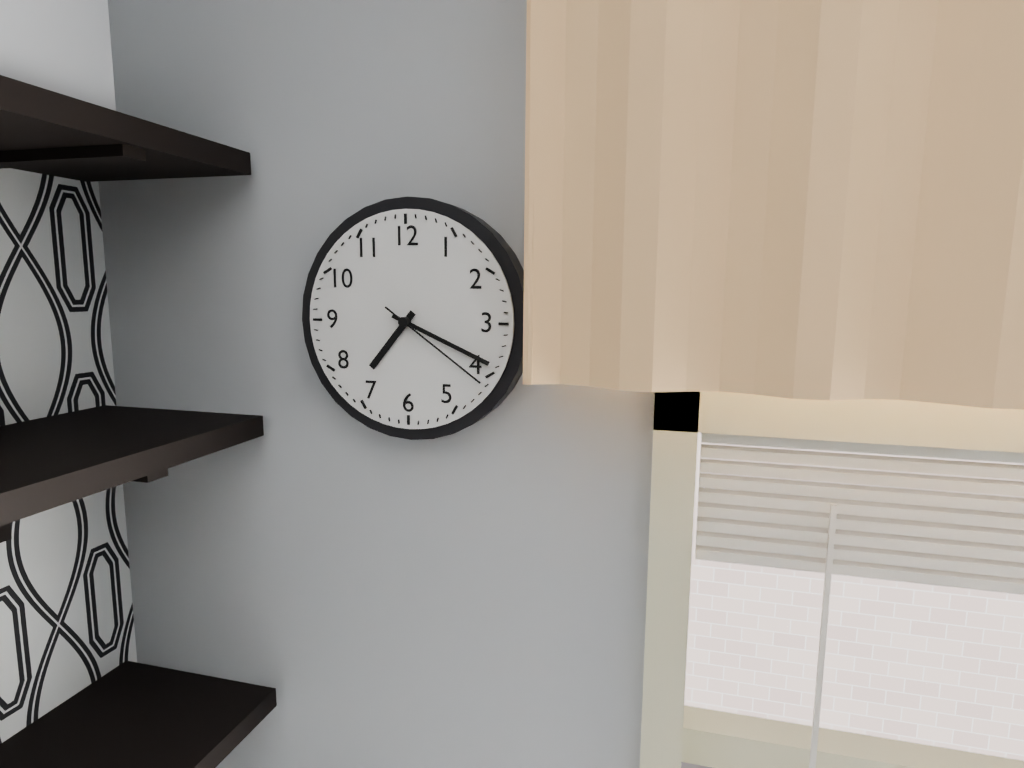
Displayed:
7,19,21
